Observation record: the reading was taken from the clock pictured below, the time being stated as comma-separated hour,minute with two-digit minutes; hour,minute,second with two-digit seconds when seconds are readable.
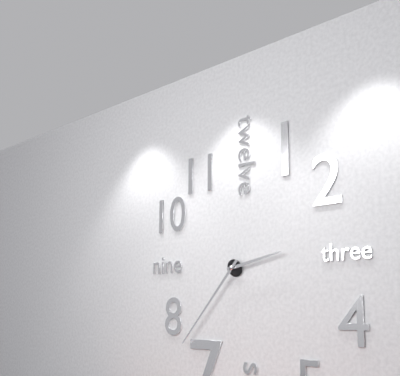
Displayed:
2,37
